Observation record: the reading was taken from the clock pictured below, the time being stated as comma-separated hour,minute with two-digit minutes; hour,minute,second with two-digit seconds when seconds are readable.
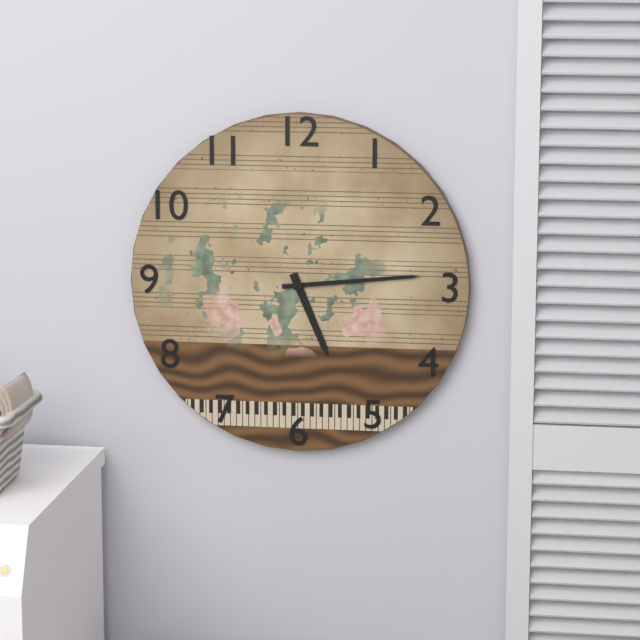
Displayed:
5,14
